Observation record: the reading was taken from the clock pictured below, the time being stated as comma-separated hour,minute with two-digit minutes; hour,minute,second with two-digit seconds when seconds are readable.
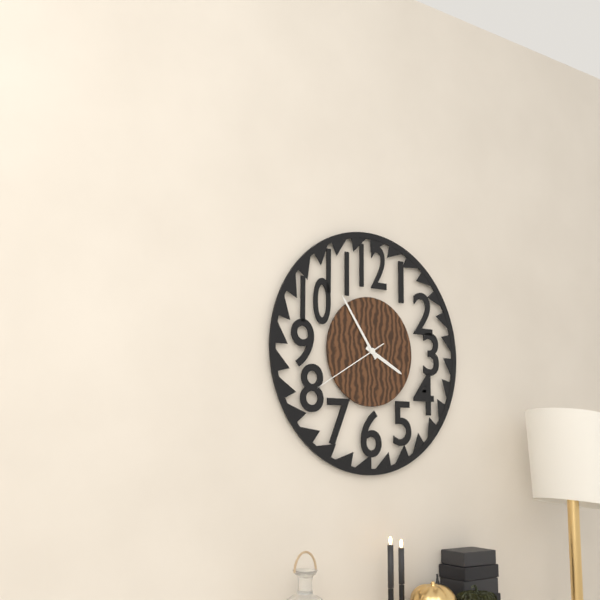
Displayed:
3,54,40
